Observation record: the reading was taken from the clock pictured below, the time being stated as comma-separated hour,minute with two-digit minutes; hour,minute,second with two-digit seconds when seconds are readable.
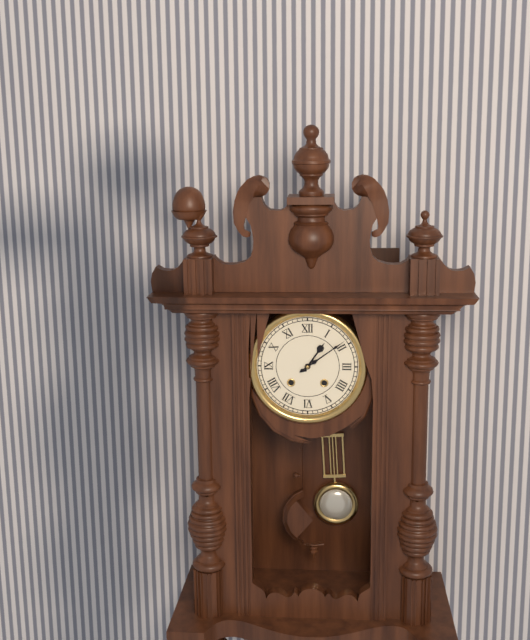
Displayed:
1,09
